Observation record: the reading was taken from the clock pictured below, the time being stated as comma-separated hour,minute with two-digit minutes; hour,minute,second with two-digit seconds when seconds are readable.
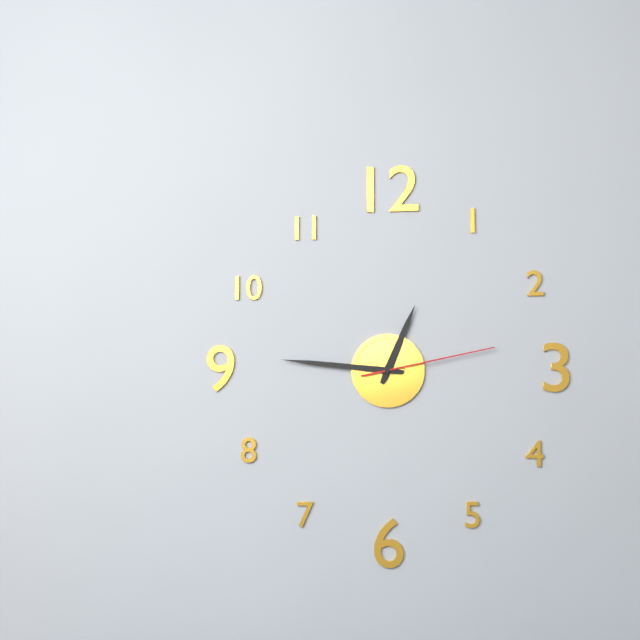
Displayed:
12,46,13
